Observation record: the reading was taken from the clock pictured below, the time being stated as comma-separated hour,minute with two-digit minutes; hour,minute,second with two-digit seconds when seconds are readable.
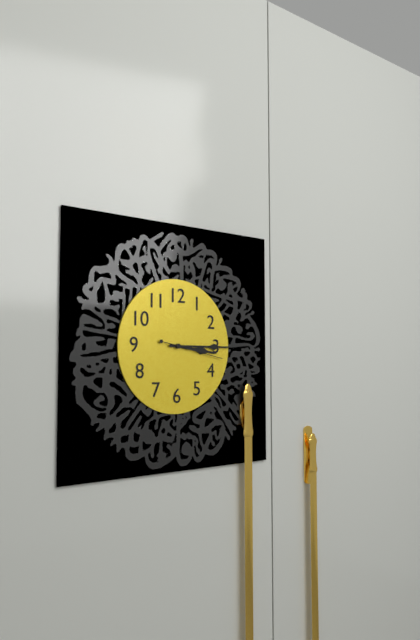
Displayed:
3,15,17
